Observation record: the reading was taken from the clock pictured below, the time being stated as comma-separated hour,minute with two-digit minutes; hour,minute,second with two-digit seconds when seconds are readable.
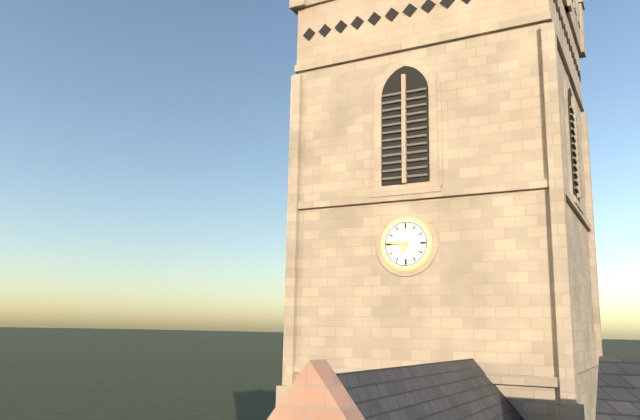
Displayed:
6,46
